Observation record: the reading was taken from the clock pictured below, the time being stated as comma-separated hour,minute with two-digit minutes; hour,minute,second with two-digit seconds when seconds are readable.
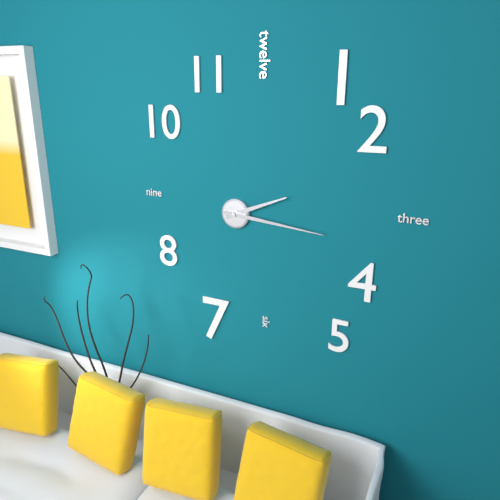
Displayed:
2,16
